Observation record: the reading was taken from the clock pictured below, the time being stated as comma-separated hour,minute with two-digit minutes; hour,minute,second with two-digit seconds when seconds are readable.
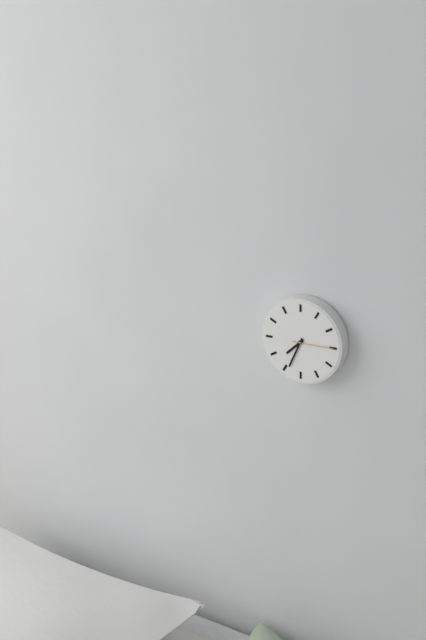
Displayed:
7,34
